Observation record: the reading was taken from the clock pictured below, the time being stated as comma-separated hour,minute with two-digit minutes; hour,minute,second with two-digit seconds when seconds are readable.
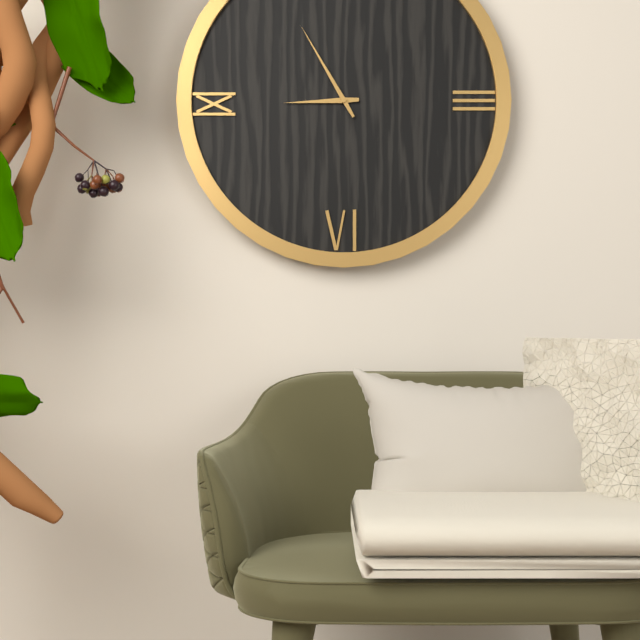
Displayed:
8,55
